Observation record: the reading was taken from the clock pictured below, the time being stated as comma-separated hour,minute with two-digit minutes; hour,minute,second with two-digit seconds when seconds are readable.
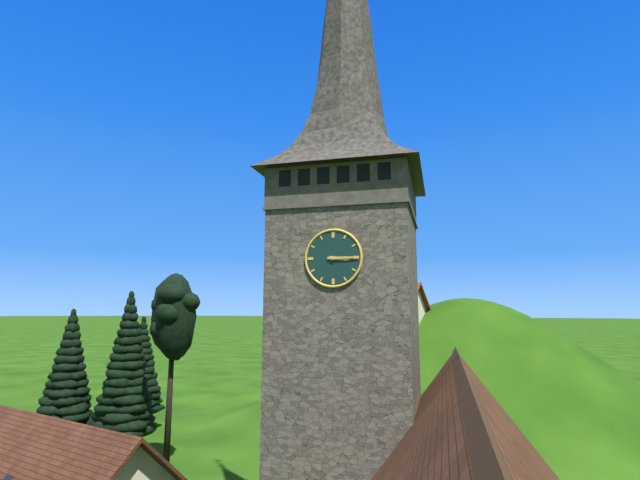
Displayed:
3,15
